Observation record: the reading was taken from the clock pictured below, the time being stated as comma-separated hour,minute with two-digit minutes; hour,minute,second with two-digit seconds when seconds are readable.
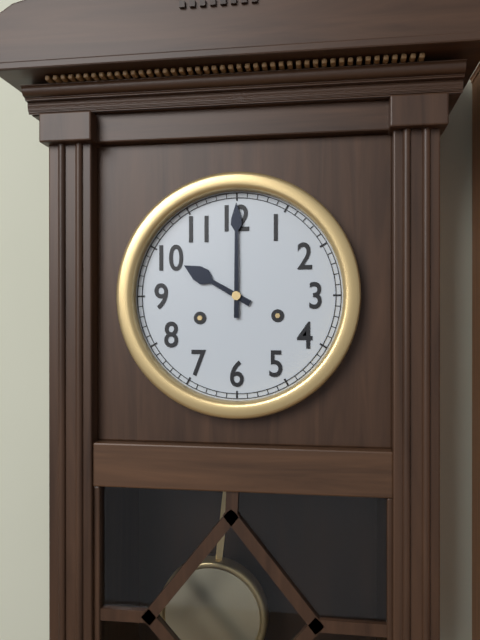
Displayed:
10,00
